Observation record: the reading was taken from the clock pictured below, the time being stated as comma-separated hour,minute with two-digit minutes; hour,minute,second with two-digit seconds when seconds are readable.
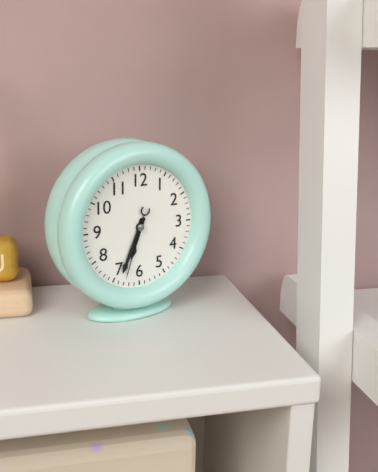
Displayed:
6,34,33
